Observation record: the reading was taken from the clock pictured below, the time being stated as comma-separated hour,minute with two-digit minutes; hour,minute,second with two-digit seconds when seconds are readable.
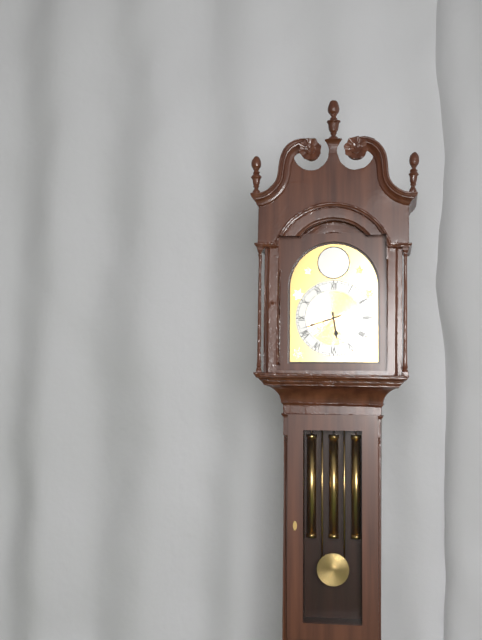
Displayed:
5,42
